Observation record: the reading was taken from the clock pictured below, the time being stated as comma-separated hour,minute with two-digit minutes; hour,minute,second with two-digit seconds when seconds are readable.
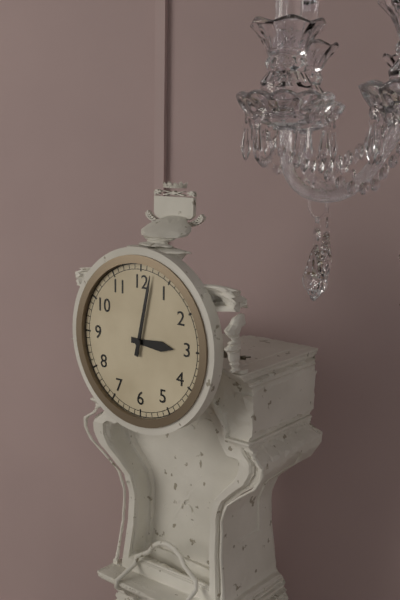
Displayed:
3,02
